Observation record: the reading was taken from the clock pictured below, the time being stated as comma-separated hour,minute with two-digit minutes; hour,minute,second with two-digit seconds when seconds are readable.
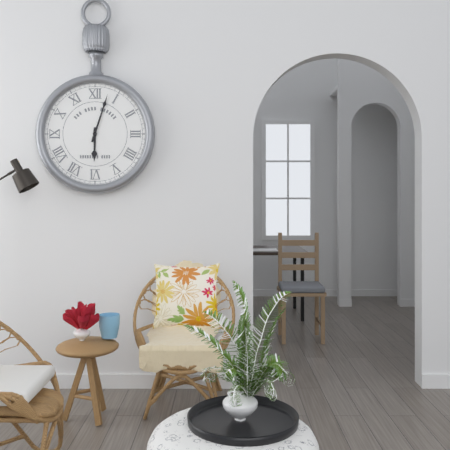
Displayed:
6,03
